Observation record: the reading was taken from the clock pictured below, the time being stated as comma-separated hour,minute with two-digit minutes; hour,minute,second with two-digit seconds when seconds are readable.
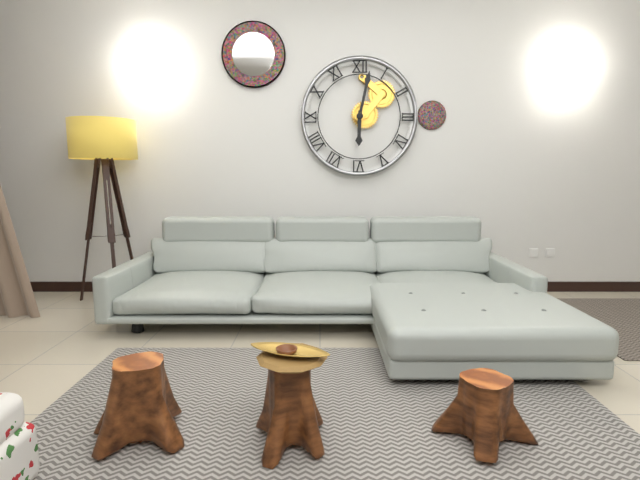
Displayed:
6,02
